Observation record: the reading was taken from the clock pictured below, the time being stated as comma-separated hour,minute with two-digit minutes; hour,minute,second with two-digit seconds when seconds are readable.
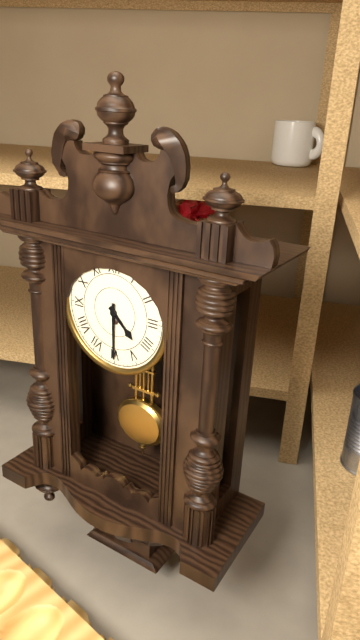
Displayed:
4,30
